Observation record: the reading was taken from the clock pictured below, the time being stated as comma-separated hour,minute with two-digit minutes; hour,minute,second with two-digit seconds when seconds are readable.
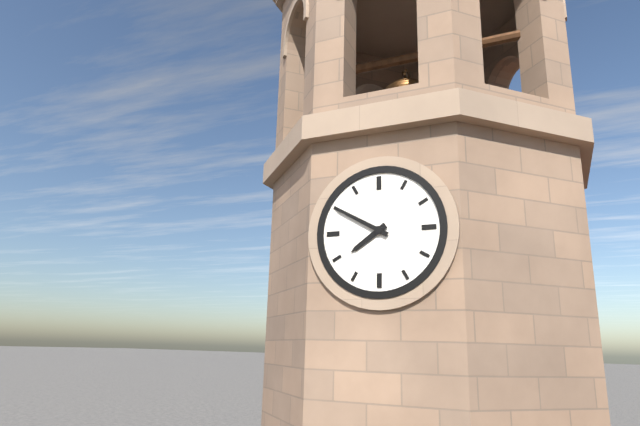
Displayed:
7,50
